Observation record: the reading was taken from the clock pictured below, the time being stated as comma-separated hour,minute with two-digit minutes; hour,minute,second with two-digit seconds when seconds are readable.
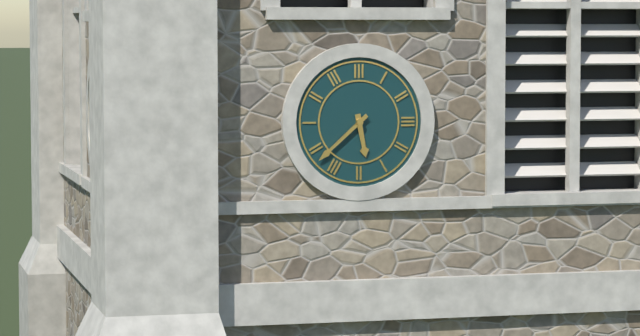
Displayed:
5,38
